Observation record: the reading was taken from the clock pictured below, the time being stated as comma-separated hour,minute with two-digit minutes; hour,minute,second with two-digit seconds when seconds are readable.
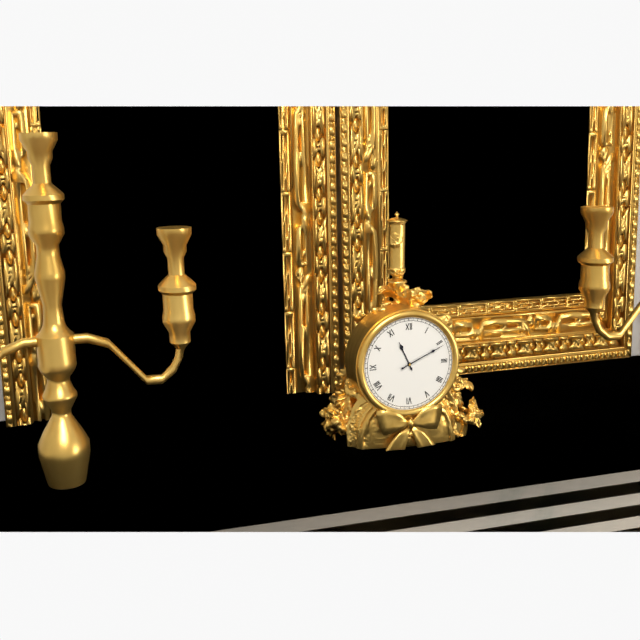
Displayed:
11,11
